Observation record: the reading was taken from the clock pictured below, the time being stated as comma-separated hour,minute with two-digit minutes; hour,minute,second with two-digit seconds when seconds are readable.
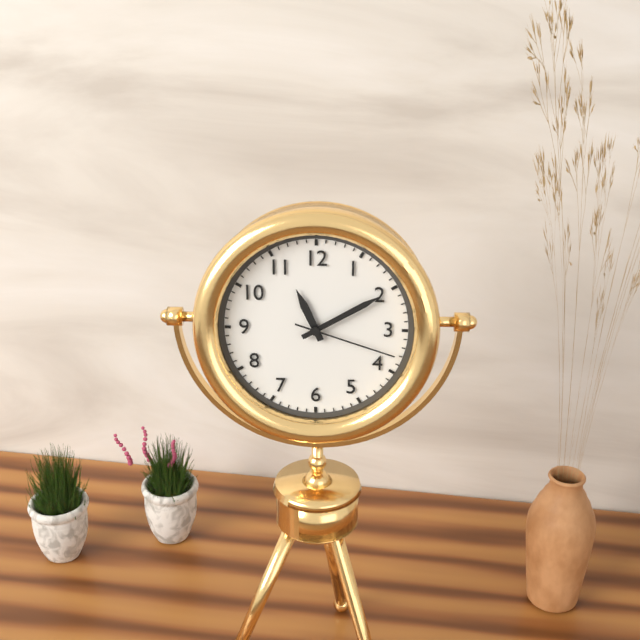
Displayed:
11,10,18
